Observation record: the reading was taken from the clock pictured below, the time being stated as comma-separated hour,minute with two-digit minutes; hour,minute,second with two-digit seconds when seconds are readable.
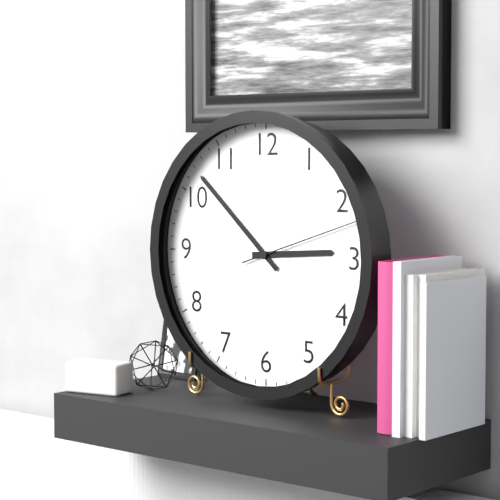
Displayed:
2,52,12
